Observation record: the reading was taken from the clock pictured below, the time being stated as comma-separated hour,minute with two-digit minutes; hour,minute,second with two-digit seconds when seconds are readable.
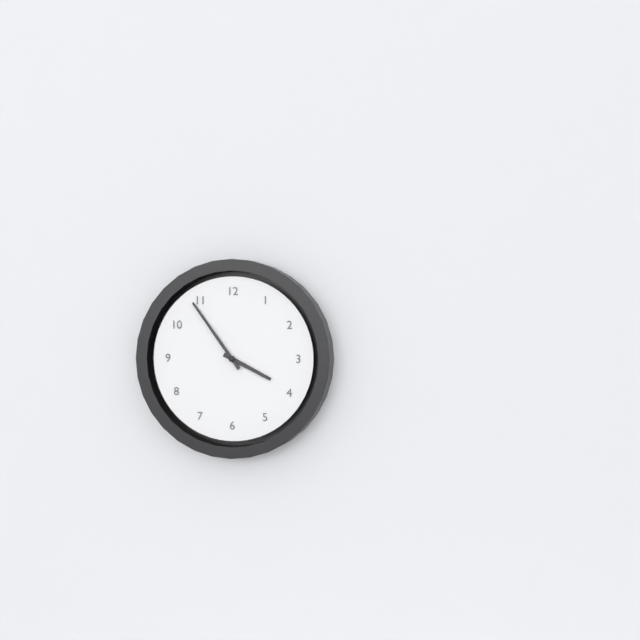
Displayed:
3,54
